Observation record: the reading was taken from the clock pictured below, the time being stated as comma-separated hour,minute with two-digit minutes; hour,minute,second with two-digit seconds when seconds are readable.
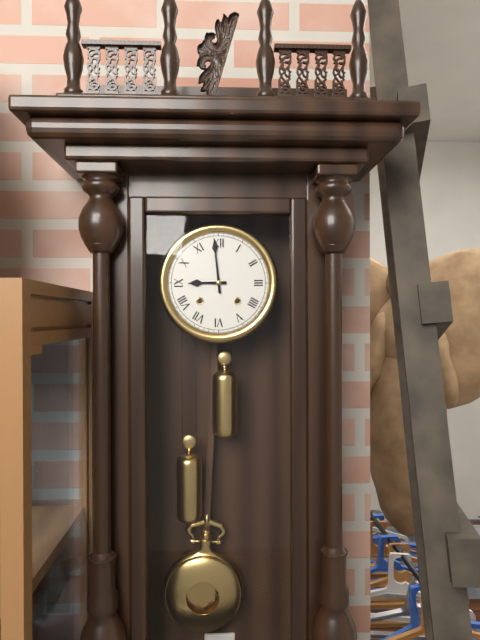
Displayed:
8,59
